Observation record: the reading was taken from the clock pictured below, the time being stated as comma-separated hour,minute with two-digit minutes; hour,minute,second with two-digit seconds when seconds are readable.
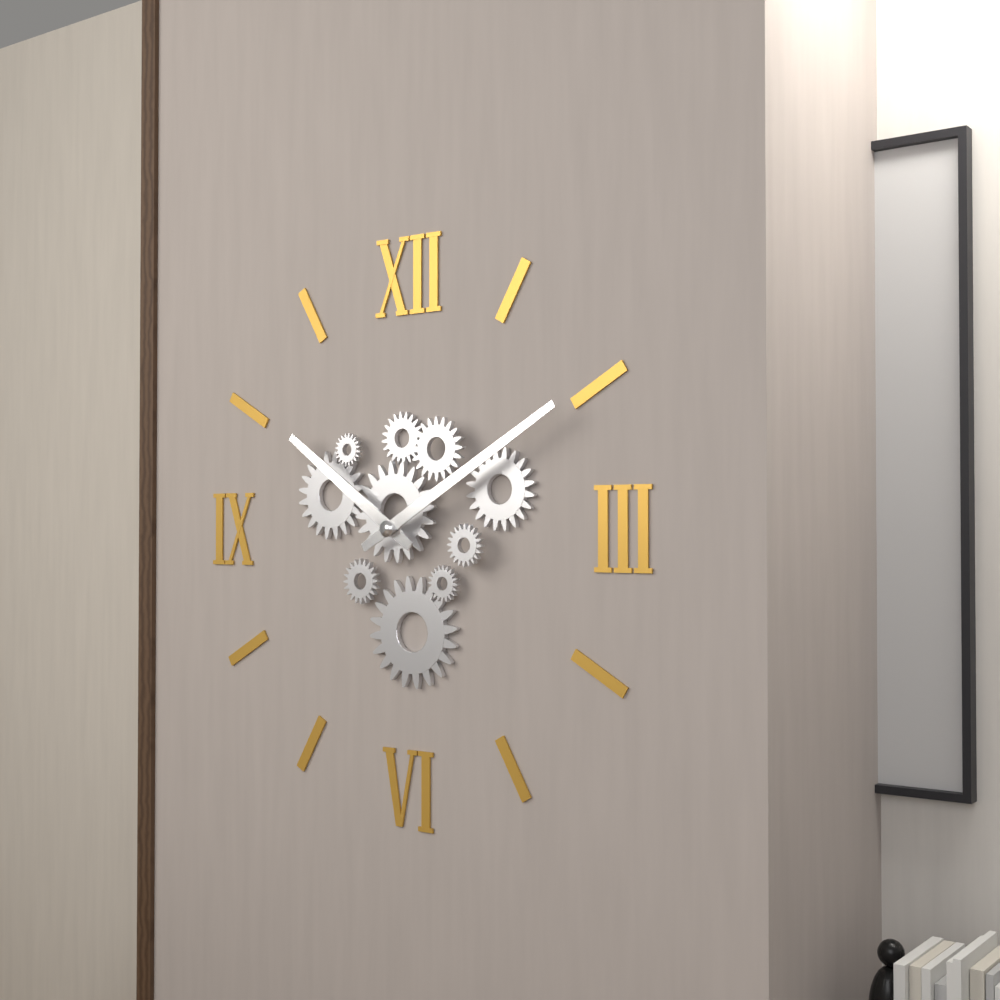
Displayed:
10,10
